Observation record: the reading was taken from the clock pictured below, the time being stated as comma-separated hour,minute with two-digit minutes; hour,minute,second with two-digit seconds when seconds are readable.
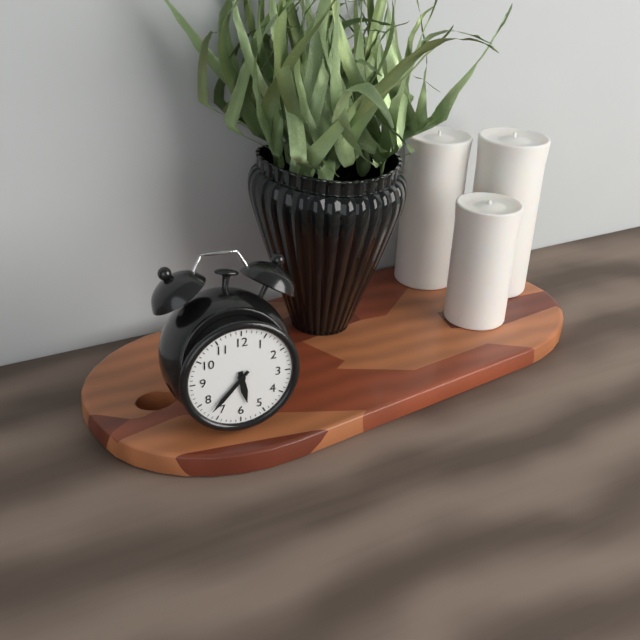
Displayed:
5,37
